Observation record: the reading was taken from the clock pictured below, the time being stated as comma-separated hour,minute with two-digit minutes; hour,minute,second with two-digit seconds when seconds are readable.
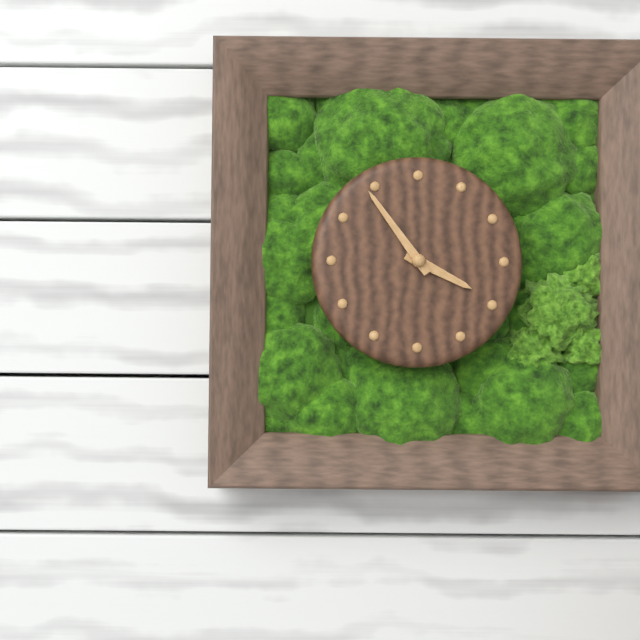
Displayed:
3,54
